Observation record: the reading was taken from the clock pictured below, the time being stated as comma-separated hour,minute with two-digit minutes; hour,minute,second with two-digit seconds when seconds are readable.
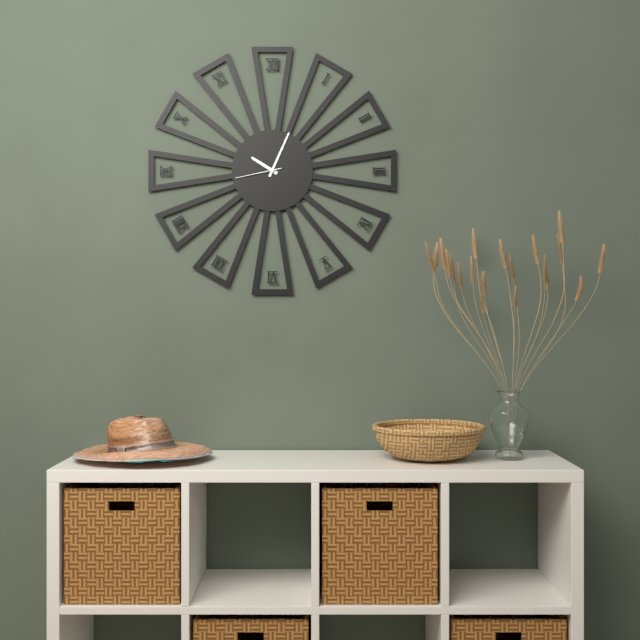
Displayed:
10,04
